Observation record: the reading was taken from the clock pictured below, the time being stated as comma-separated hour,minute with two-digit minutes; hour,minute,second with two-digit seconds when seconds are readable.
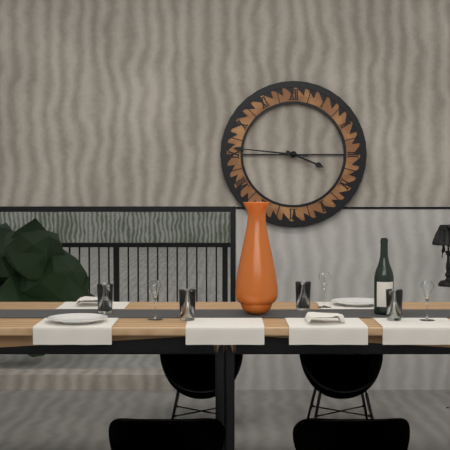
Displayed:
3,46
